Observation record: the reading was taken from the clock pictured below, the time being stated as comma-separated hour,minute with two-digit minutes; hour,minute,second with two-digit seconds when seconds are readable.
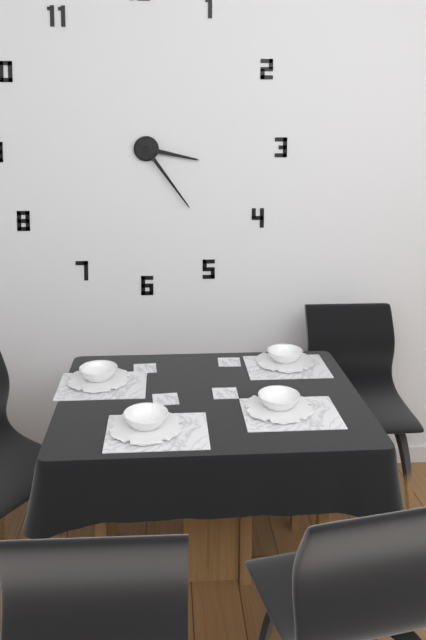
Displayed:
3,24
